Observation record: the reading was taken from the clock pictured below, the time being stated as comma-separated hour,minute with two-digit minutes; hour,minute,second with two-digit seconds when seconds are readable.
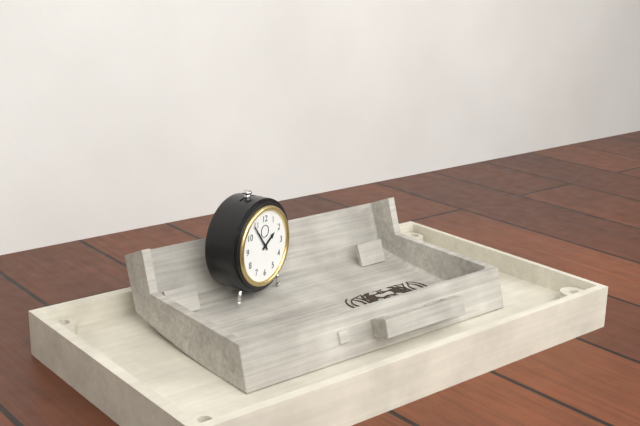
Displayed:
1,54
